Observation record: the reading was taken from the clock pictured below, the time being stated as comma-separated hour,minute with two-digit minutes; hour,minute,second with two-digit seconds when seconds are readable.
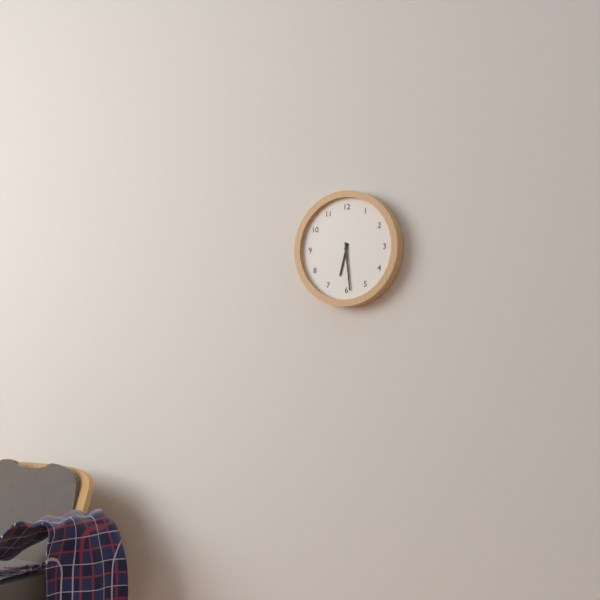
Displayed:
6,29
